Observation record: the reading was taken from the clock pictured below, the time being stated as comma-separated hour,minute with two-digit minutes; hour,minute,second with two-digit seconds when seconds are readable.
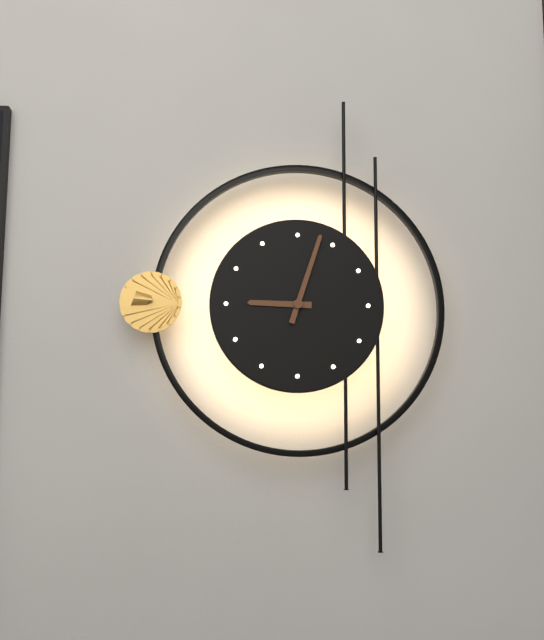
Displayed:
9,03
